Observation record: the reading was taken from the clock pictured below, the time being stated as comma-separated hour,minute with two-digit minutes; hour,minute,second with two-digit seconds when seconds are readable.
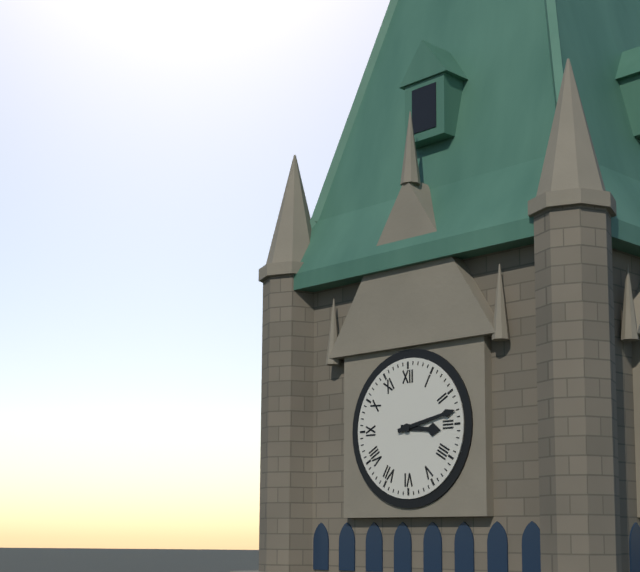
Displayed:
3,13
